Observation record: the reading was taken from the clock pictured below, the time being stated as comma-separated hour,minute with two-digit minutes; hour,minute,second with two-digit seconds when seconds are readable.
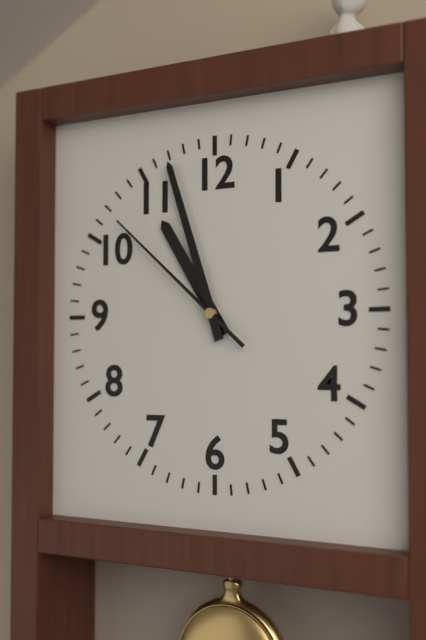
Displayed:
10,57,52
